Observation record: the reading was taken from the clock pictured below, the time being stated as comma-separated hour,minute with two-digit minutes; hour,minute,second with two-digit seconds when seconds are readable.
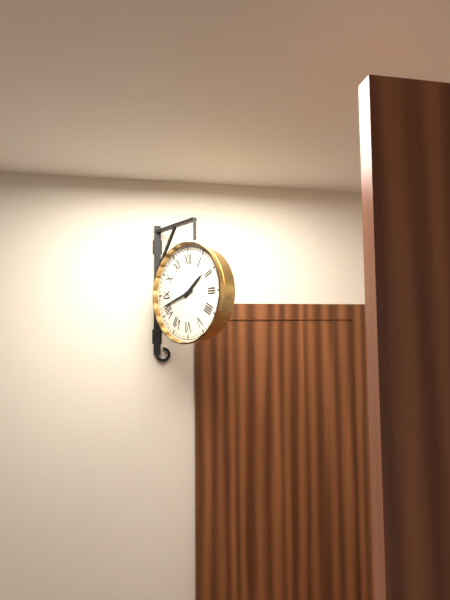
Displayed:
1,42
